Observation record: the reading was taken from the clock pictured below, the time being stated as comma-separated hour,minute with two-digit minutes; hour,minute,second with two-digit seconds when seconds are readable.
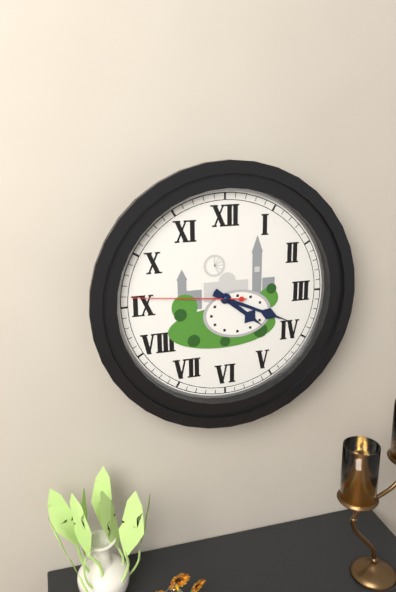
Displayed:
4,19,46
